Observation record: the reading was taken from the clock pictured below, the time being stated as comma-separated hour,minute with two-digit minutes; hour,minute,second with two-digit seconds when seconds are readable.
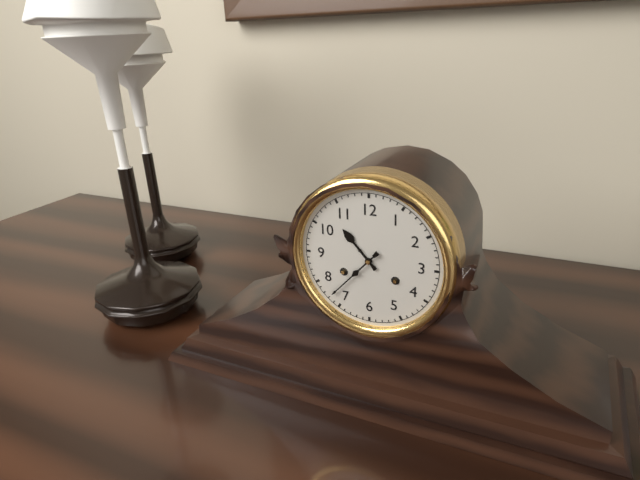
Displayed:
10,37
